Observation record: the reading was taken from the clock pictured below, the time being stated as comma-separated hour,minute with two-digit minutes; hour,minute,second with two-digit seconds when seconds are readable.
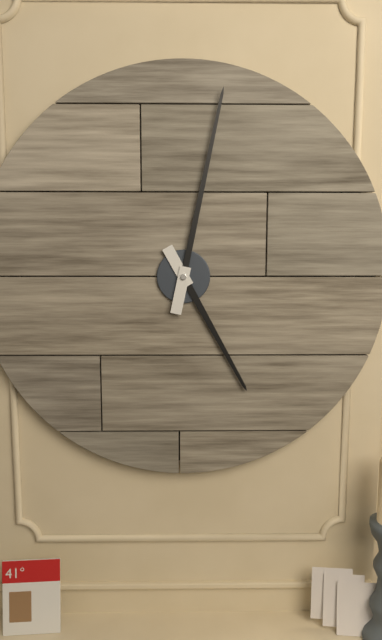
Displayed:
5,02
